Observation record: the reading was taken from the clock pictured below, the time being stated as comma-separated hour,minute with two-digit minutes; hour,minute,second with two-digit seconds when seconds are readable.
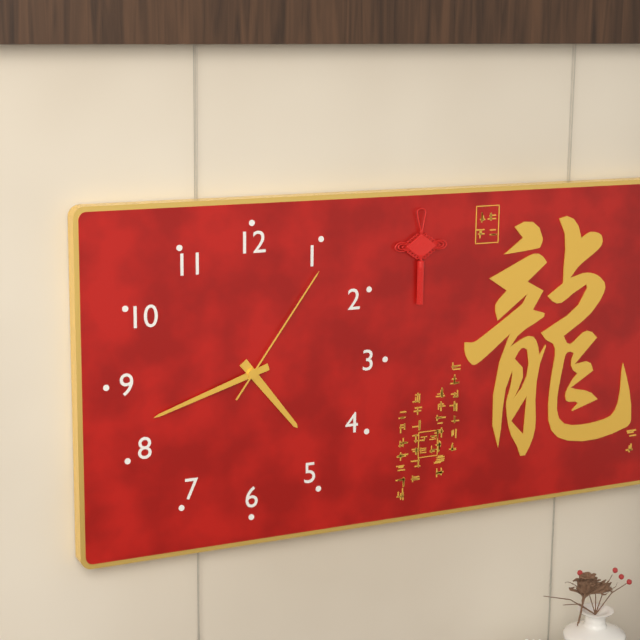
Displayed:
4,42,06
